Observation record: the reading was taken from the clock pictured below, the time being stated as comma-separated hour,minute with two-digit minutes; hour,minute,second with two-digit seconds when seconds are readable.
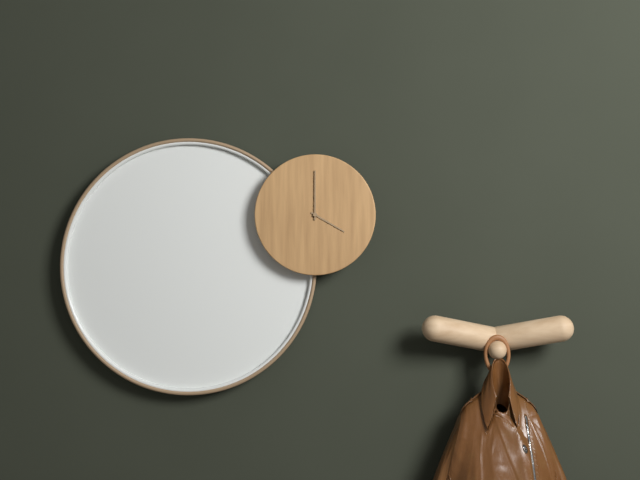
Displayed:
4,00
